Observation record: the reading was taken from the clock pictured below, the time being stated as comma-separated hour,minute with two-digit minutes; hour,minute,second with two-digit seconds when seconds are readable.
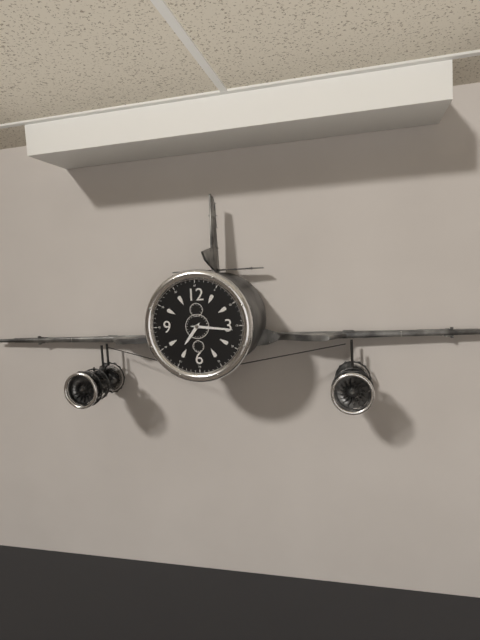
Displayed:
7,16
